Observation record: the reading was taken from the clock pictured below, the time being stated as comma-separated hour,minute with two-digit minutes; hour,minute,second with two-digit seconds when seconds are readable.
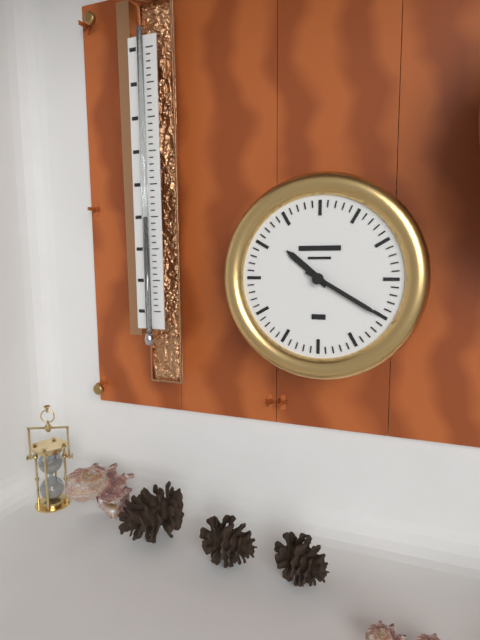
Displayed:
10,20
